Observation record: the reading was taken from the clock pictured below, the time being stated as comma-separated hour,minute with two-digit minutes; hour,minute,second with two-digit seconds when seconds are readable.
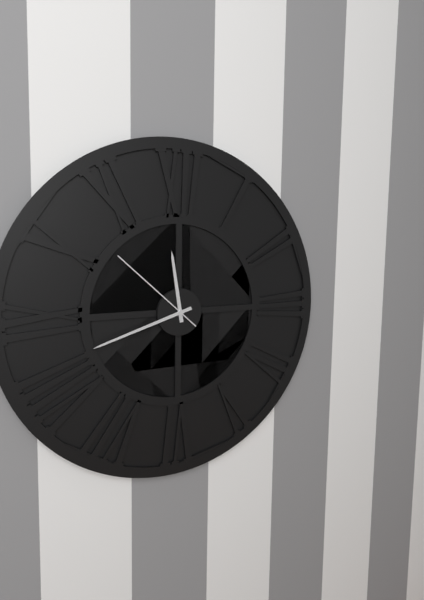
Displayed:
11,42,52
